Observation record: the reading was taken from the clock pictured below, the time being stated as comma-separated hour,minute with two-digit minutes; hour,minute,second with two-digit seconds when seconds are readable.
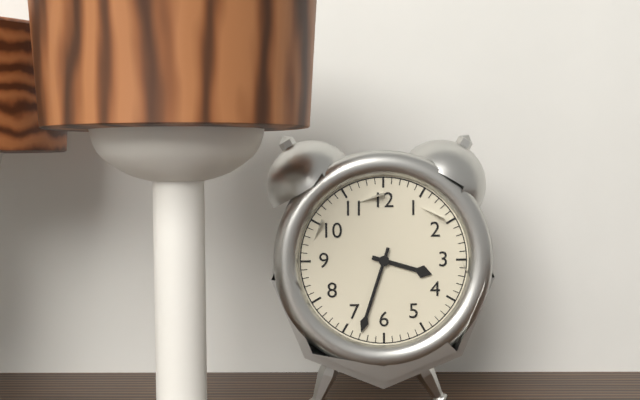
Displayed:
3,33
